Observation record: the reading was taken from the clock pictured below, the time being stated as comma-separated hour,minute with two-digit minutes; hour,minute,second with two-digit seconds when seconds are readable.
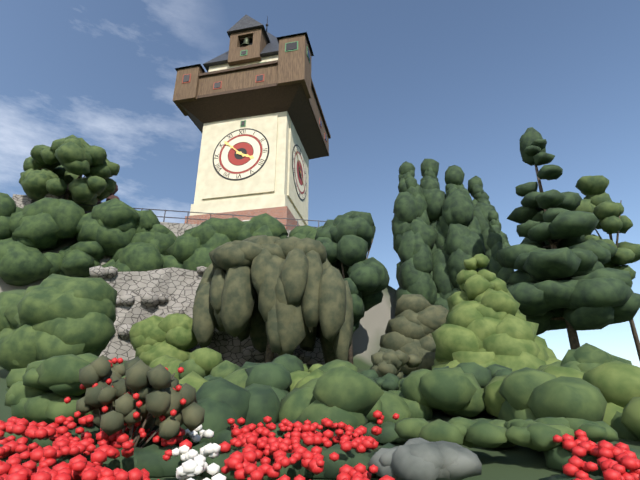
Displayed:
3,52
